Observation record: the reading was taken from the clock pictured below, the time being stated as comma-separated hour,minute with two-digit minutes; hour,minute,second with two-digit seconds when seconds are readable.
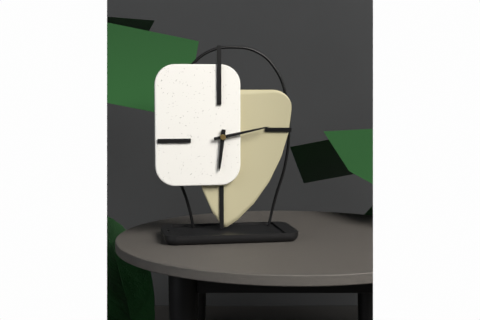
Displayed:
6,13
